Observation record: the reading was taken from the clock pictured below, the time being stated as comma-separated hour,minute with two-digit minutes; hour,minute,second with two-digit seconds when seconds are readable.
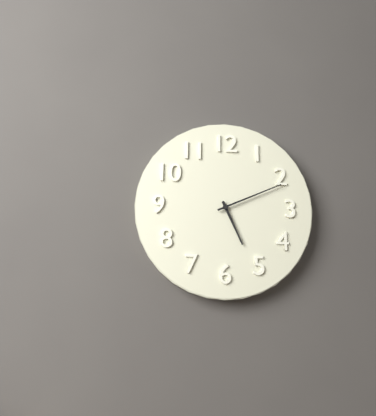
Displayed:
5,11
